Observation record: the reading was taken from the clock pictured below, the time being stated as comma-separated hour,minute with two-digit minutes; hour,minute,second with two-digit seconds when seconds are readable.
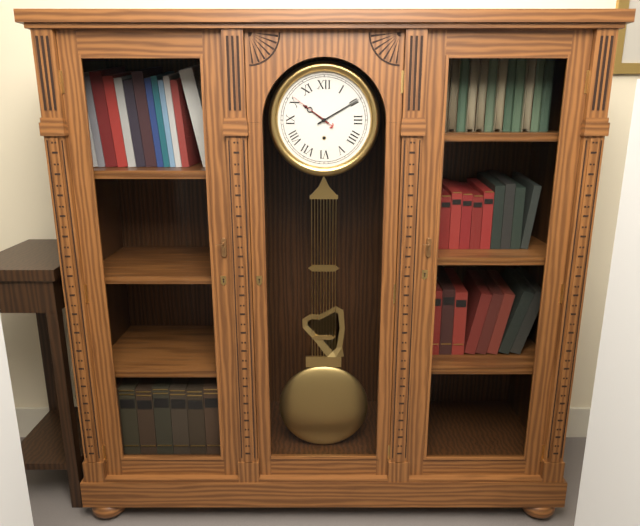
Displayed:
10,10,51
